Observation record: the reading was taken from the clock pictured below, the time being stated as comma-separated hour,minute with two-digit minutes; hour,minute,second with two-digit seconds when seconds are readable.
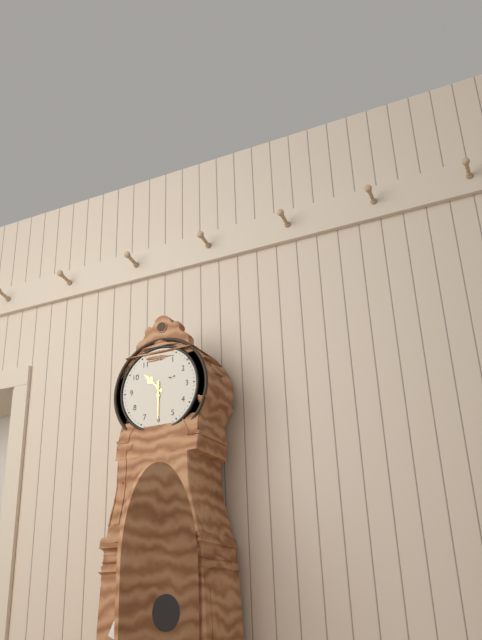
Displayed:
10,30
